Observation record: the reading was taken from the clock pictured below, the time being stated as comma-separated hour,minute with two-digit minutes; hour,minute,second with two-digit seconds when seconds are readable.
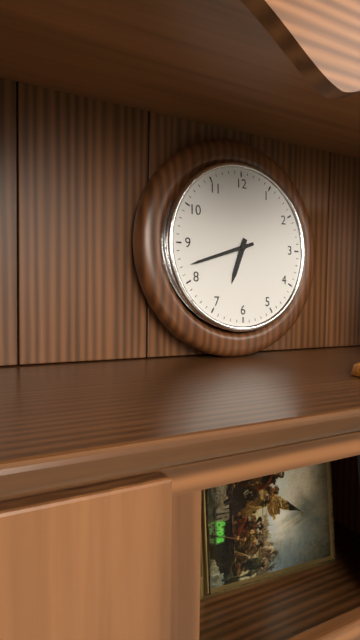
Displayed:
6,42
